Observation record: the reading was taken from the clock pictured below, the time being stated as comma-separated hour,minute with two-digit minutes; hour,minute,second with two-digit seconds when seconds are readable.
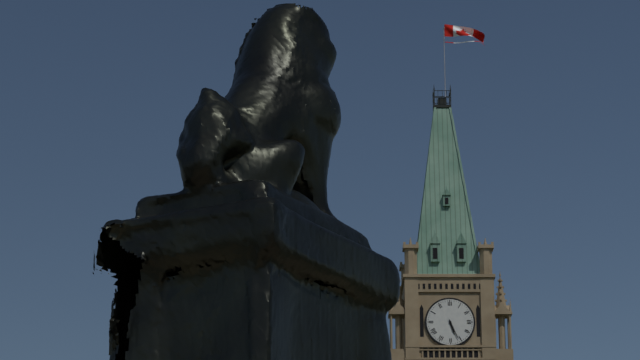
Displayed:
5,26
